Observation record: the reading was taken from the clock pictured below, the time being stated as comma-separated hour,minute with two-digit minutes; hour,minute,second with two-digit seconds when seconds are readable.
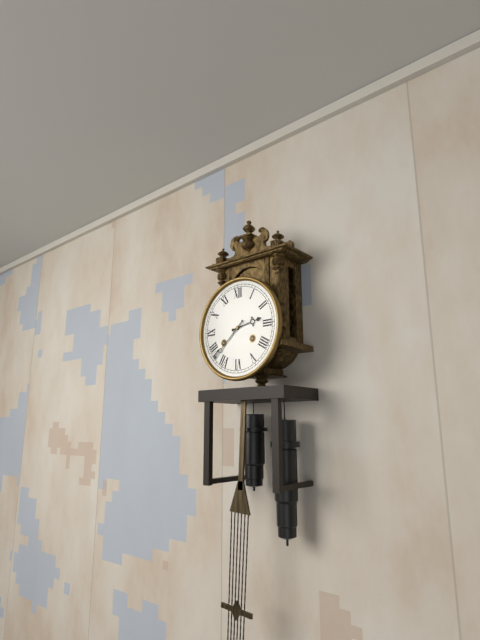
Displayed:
2,38
